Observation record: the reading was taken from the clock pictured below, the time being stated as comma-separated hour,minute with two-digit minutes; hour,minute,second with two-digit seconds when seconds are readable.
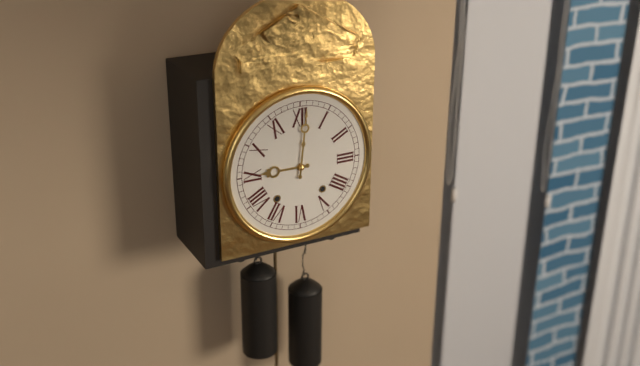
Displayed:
9,01
